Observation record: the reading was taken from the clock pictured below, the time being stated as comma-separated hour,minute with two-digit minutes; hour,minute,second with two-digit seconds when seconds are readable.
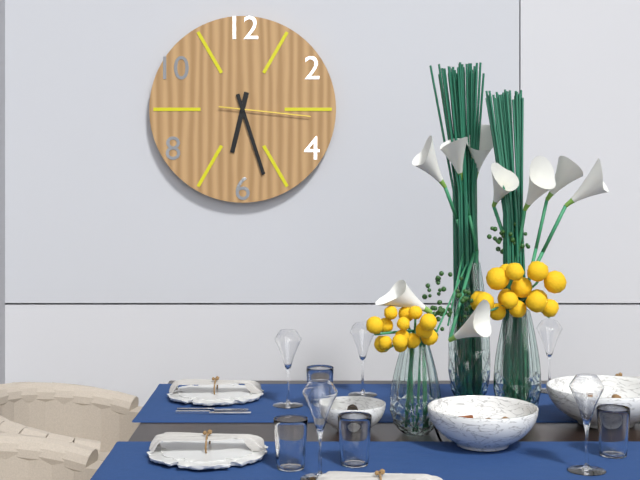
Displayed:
6,27,16
